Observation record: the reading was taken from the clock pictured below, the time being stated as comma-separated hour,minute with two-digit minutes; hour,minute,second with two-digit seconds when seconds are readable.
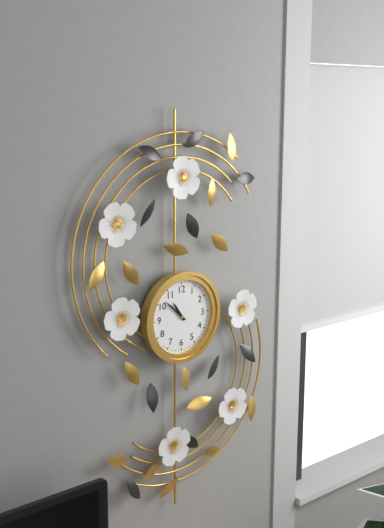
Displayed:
10,52
